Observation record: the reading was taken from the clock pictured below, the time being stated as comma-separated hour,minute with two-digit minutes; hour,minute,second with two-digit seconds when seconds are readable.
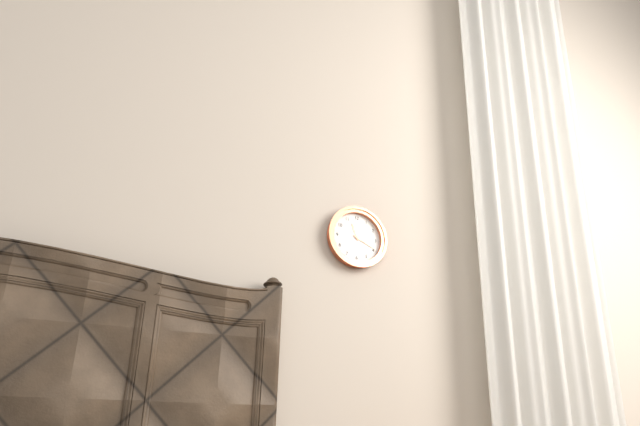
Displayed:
11,19
